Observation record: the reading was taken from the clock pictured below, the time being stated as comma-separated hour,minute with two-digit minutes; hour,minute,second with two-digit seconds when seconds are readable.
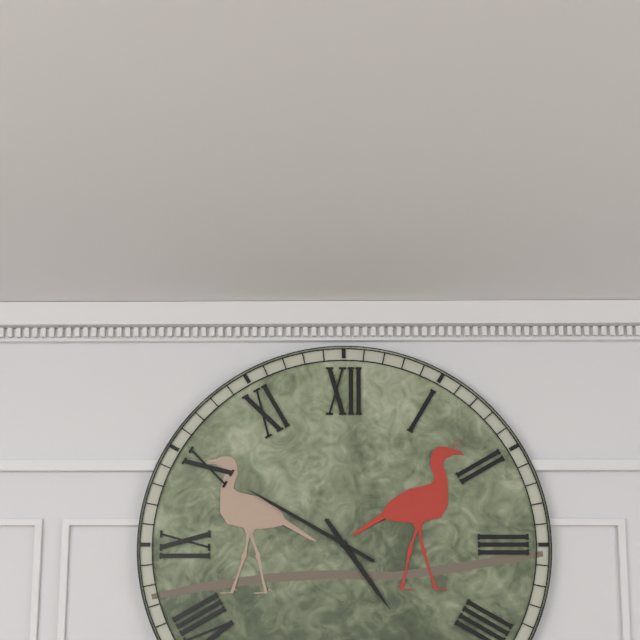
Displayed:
4,50
